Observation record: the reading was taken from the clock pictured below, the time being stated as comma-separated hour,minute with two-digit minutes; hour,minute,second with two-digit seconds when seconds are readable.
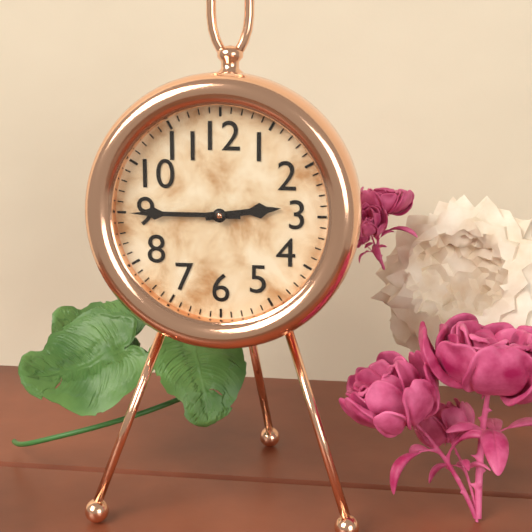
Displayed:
2,45
